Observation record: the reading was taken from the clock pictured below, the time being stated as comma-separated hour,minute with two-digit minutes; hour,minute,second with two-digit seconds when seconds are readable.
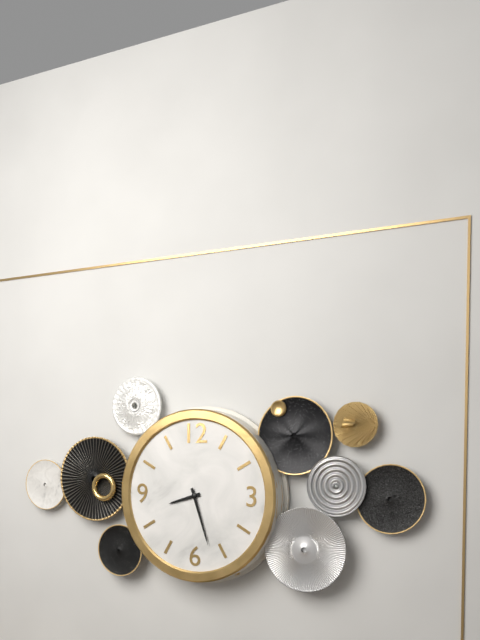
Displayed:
8,27
